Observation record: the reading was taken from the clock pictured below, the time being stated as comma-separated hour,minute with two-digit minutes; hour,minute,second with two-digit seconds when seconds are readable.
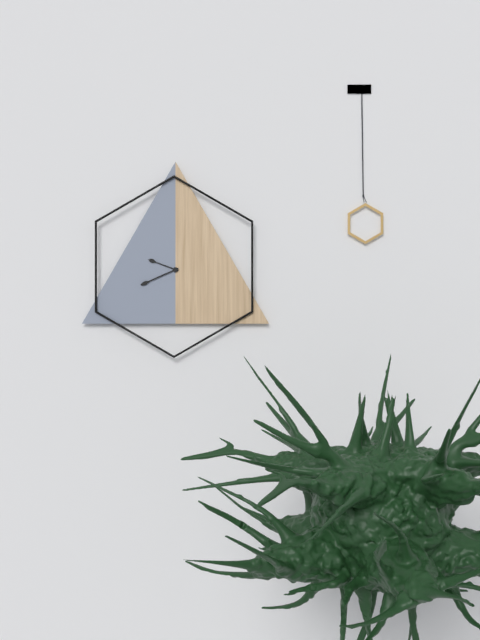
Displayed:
9,41
